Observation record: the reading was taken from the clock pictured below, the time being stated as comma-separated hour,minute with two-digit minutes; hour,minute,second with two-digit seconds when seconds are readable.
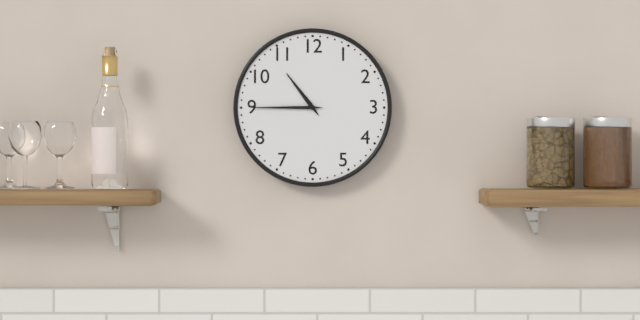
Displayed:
10,45
